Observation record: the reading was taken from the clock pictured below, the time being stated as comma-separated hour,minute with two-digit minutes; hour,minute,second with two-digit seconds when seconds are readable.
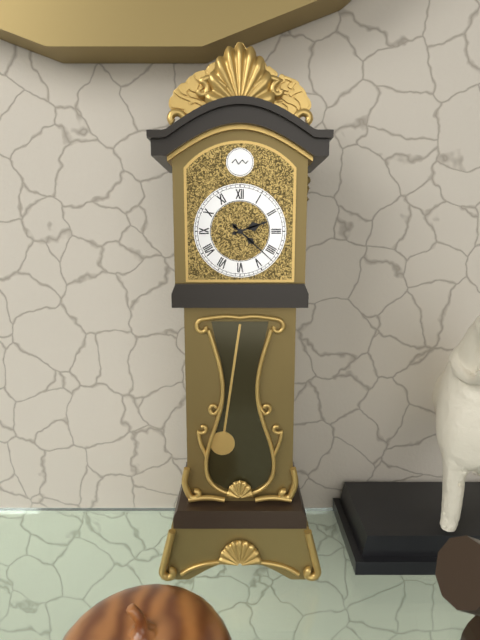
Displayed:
2,22
